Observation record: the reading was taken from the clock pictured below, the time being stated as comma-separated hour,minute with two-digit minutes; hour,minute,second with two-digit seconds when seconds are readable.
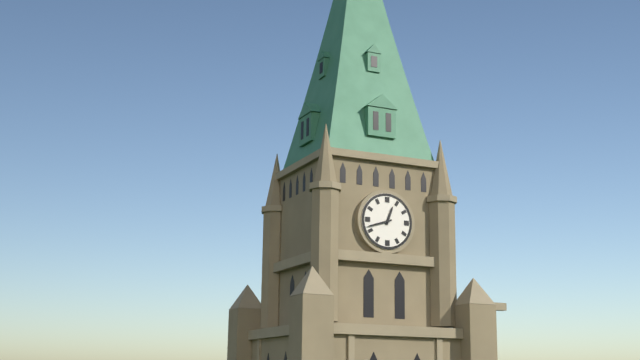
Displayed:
12,42
